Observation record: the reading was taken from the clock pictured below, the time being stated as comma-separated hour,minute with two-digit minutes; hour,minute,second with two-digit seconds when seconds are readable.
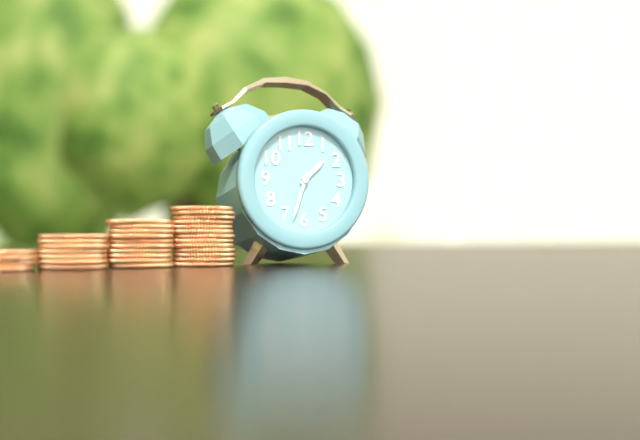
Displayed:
1,33
